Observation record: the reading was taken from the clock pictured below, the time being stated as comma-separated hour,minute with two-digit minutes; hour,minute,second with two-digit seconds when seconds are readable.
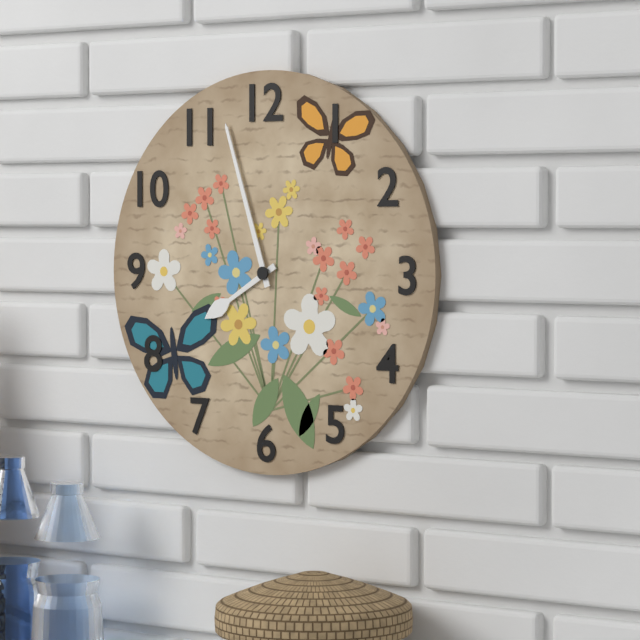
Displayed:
7,57
